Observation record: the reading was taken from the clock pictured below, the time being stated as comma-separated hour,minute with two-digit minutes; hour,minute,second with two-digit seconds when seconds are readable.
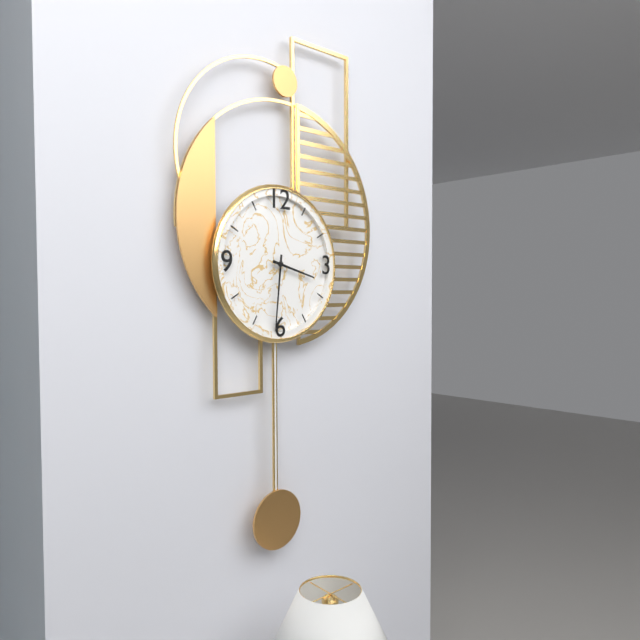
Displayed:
3,31
